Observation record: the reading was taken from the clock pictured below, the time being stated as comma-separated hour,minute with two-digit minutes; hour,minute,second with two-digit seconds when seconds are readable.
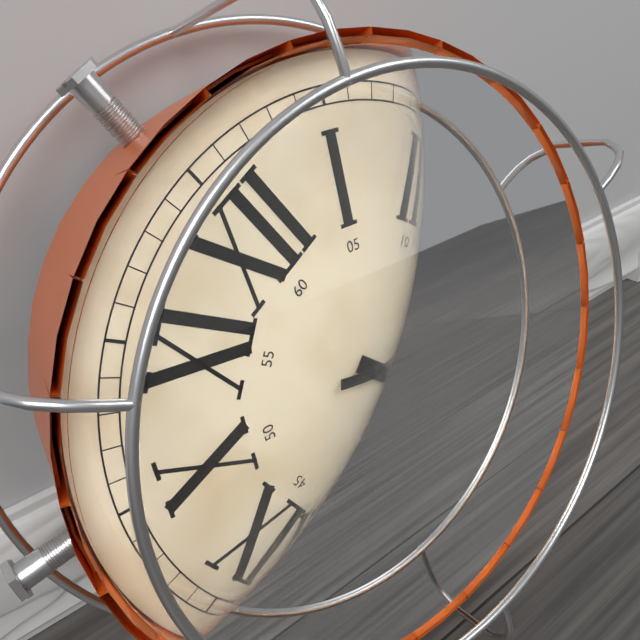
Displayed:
5,22
